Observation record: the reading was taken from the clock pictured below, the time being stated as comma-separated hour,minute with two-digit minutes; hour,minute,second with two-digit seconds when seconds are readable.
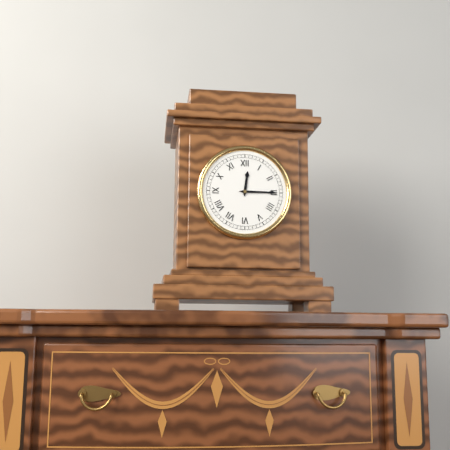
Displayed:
12,15
